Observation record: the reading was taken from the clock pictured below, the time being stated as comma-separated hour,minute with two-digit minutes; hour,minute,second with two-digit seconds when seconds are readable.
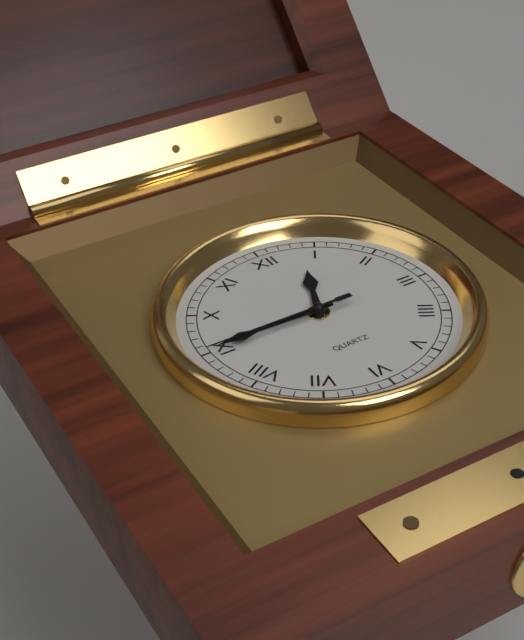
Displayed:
12,45,45
